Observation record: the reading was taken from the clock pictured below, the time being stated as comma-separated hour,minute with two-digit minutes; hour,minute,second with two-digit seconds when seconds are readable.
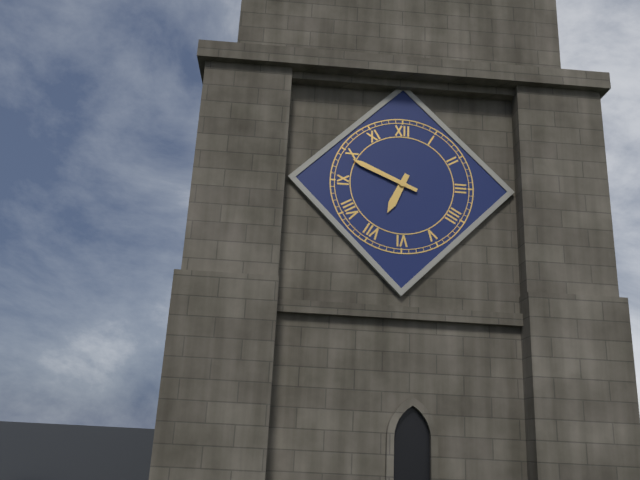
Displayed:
6,49
